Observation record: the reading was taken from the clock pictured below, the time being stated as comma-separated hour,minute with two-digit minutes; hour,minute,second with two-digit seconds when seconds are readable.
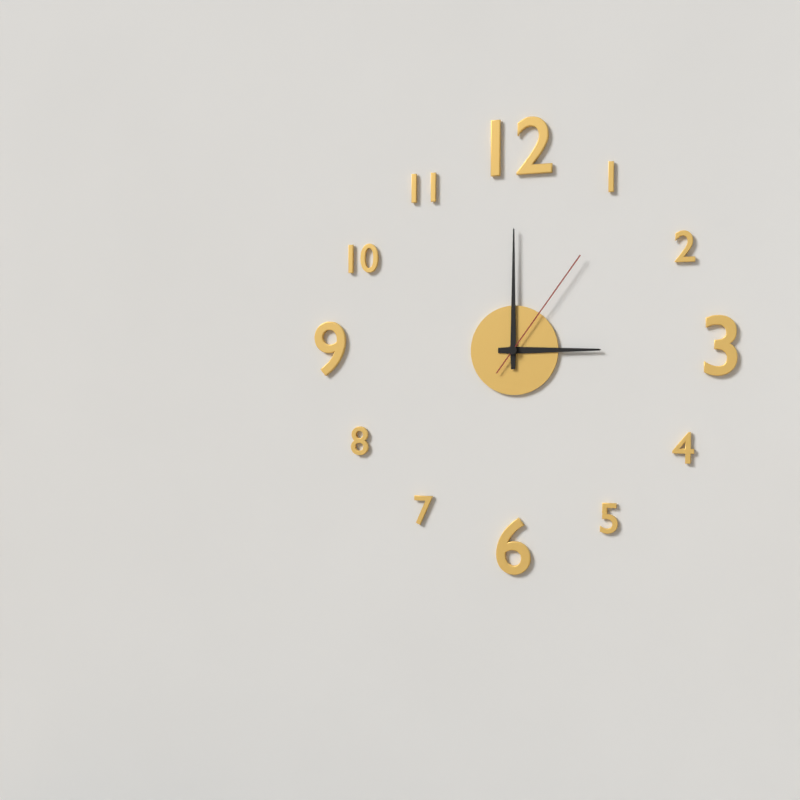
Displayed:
3,00,06
